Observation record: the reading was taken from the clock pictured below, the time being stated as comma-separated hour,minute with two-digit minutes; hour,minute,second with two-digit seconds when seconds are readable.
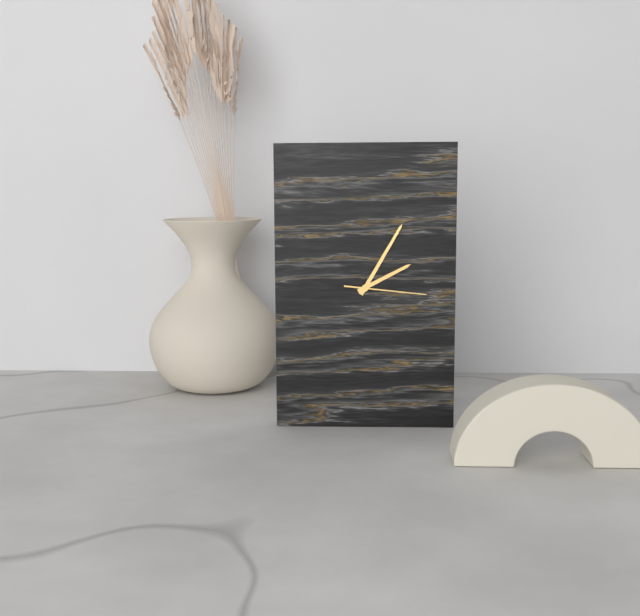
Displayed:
2,05,16
